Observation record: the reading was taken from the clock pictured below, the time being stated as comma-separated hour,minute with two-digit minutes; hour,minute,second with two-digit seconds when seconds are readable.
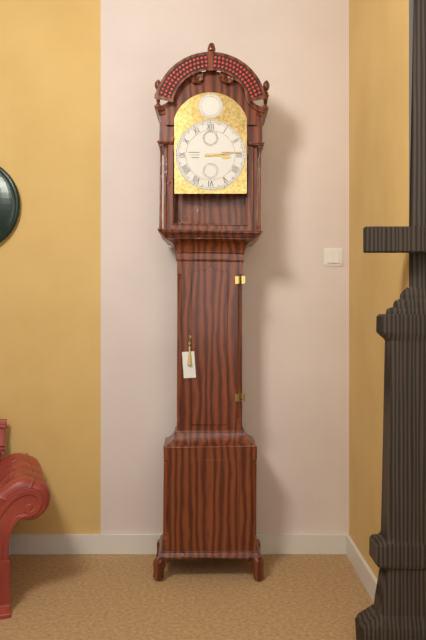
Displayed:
3,14
